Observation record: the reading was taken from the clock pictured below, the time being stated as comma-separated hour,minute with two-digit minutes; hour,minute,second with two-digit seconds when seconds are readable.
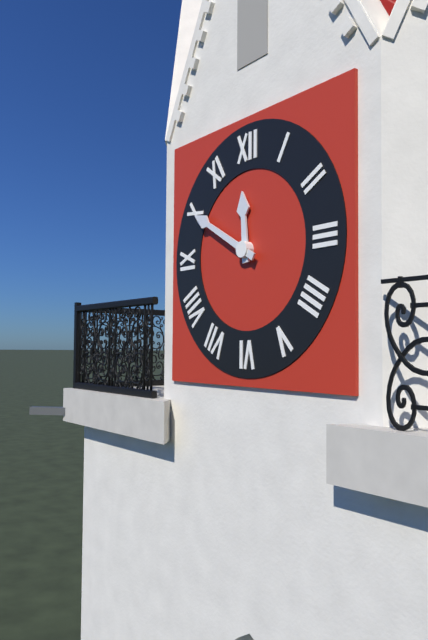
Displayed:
11,50
